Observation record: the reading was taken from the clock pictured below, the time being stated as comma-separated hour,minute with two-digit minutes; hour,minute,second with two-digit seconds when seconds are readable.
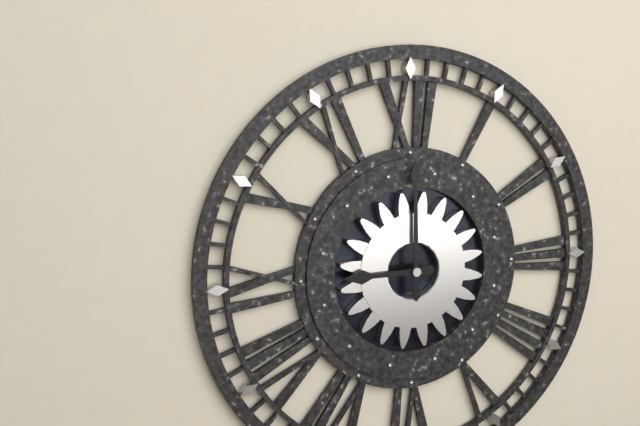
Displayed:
9,00
